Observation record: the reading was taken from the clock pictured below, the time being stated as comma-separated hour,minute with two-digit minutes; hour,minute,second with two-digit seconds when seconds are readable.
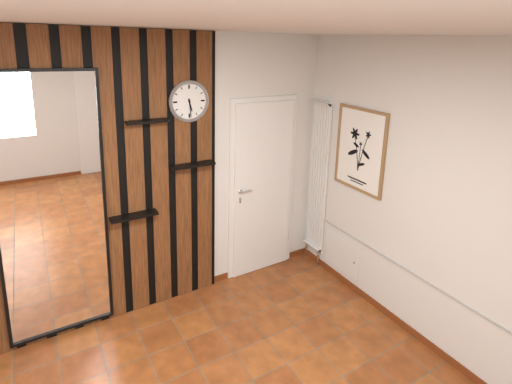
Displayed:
5,29
